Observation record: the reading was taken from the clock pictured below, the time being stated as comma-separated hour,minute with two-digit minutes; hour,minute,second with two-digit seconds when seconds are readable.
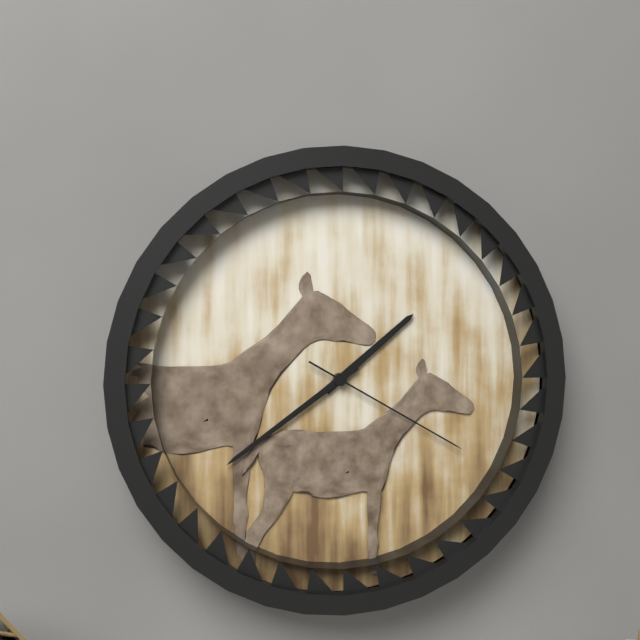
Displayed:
1,39,20
